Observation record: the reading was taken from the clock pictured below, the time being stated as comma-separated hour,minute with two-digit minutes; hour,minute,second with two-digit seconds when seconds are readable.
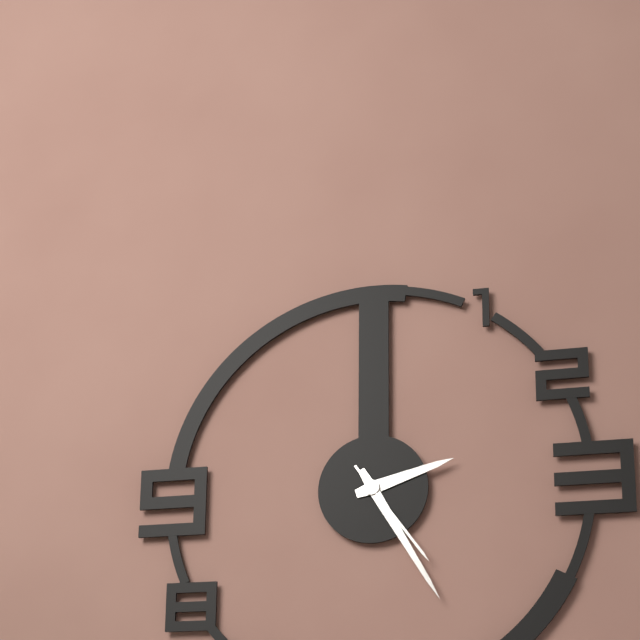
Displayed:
2,25,24
